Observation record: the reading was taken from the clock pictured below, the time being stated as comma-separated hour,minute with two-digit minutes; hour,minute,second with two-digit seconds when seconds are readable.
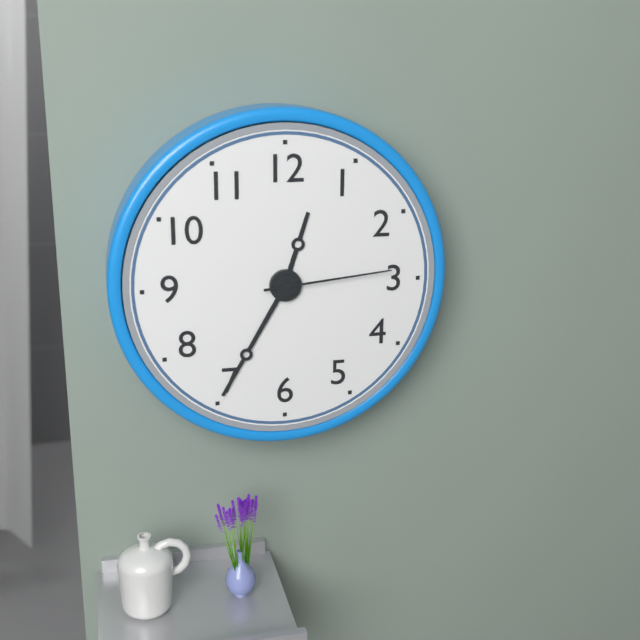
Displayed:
12,35,14
